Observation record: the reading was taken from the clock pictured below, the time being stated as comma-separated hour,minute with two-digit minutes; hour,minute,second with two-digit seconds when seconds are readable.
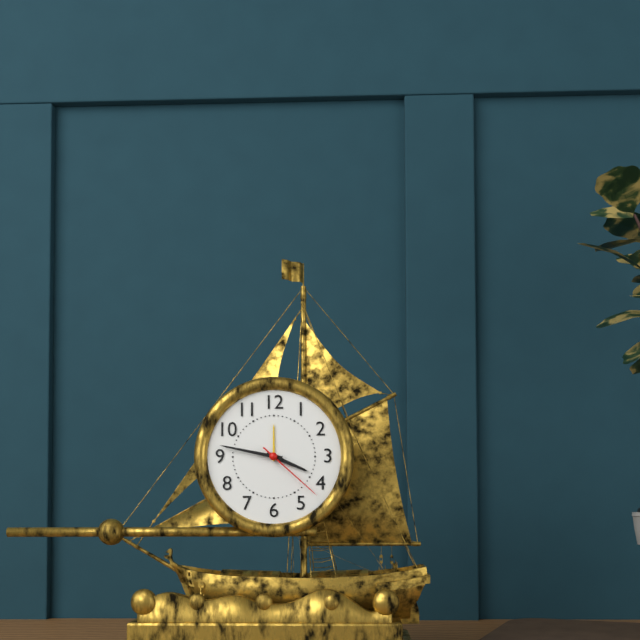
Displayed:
3,47,22
